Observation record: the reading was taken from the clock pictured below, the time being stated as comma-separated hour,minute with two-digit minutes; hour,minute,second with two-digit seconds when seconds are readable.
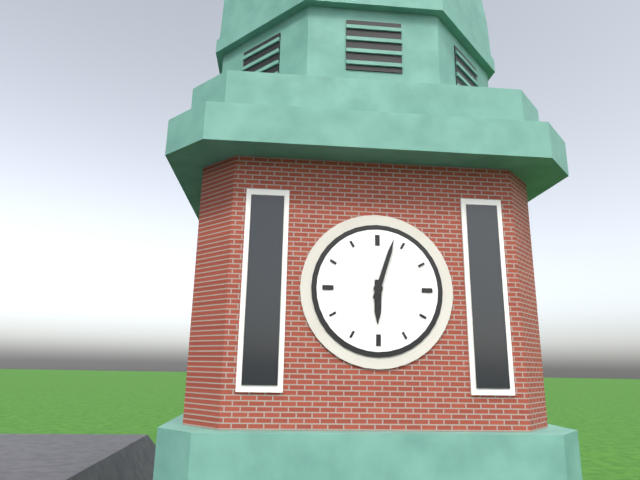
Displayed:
6,03
